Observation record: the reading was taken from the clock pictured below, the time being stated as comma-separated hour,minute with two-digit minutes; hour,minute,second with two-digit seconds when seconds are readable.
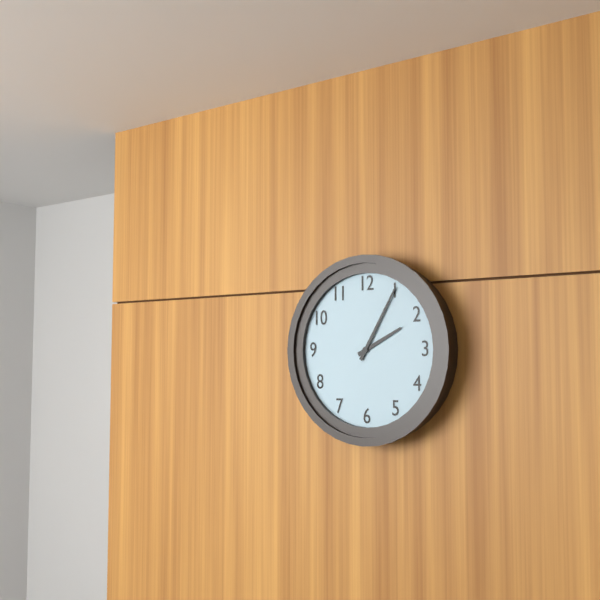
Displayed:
2,05
